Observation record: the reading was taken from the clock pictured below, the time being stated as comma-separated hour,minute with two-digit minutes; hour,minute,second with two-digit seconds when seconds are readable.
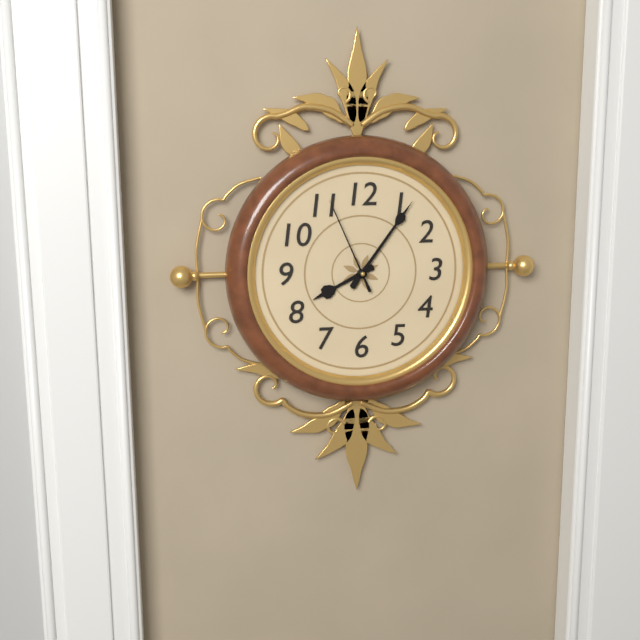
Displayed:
8,06,56
